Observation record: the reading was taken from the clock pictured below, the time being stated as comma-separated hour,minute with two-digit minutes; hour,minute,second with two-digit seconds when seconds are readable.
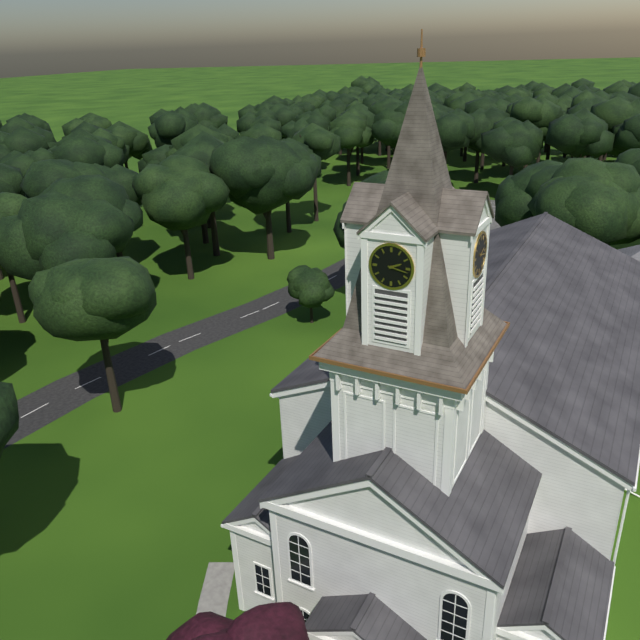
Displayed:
2,17
